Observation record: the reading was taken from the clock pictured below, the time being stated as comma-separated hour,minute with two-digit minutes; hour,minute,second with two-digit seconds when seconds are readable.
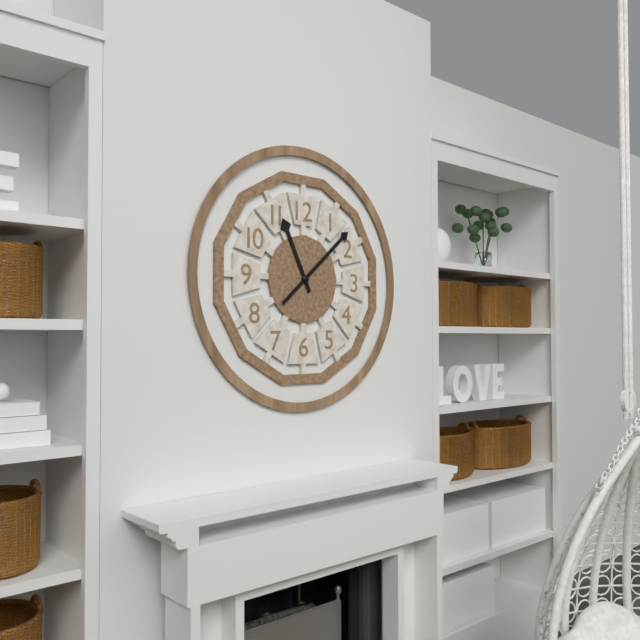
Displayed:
11,08
